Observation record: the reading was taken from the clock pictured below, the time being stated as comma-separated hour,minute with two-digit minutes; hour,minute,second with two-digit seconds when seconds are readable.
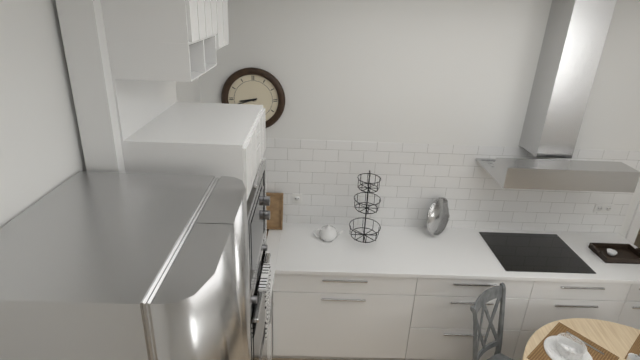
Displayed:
8,42
